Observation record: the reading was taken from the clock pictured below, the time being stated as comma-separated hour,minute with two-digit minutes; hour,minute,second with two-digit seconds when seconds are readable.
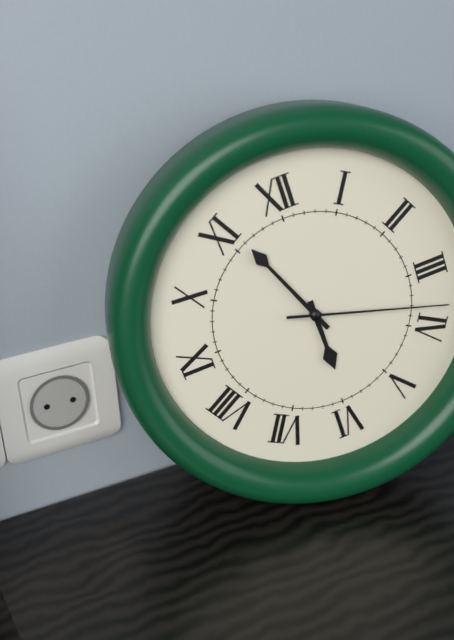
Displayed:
5,56,18
